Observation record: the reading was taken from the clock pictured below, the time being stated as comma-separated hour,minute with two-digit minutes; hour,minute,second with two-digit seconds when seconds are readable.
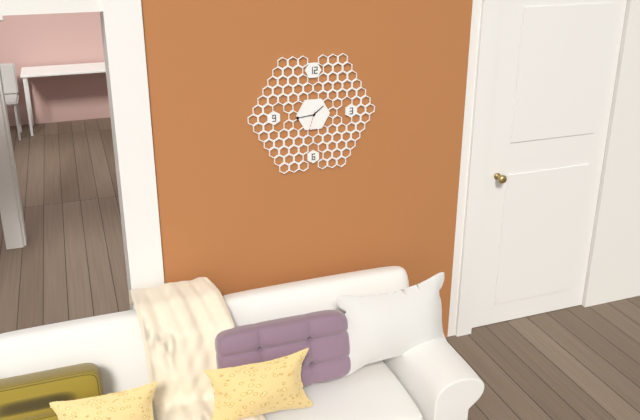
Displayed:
1,44
